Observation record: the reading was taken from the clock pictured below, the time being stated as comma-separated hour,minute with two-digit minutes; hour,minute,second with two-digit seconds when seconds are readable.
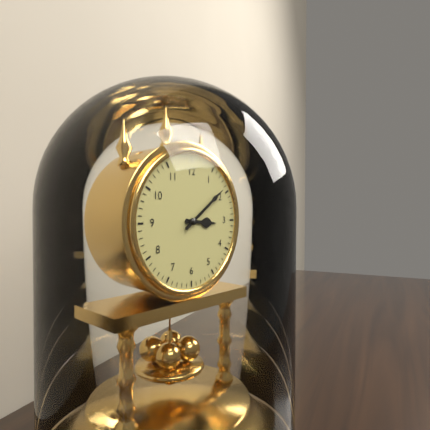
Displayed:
3,09
